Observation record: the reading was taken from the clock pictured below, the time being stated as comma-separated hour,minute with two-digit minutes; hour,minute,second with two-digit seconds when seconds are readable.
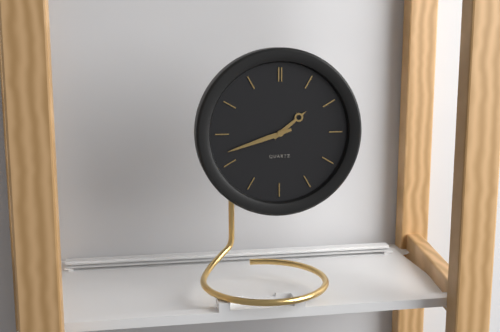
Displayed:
1,42
